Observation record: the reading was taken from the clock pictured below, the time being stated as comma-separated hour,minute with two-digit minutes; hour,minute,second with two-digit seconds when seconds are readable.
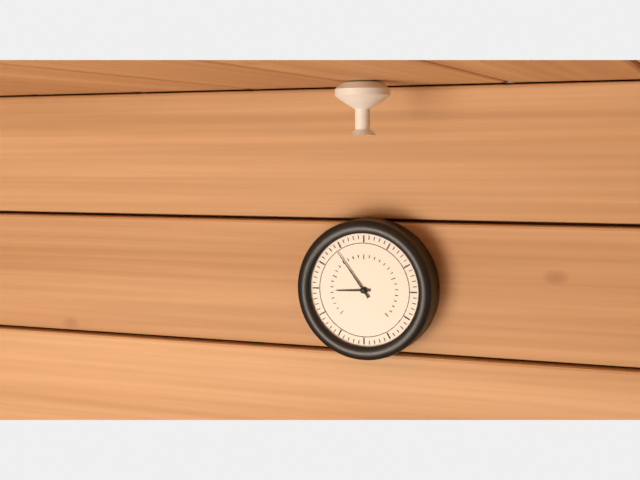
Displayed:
8,54
